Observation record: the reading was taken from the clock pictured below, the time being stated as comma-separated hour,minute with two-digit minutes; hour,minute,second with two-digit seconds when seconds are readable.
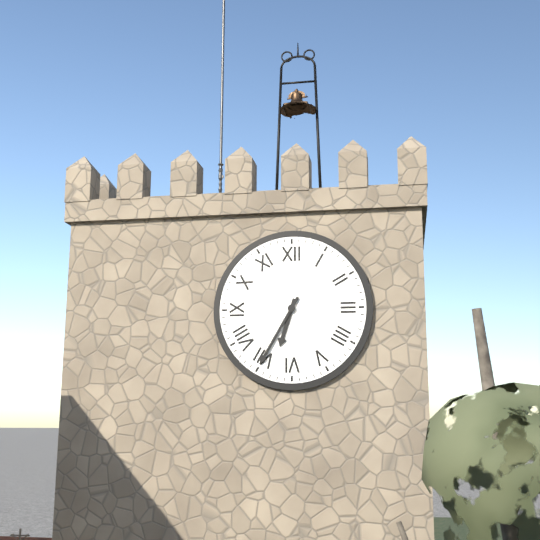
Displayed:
6,35
